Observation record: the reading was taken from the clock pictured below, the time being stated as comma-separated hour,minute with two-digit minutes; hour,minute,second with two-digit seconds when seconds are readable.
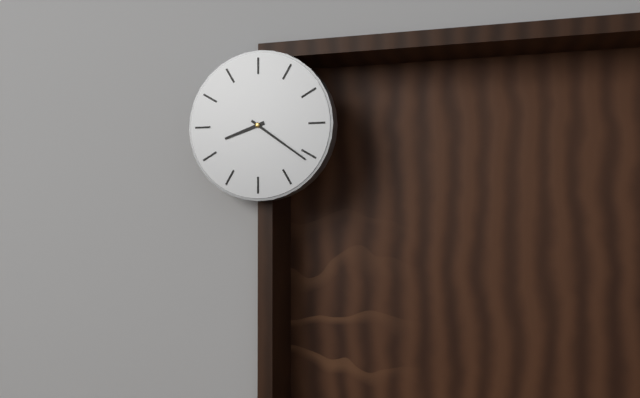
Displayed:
8,21
